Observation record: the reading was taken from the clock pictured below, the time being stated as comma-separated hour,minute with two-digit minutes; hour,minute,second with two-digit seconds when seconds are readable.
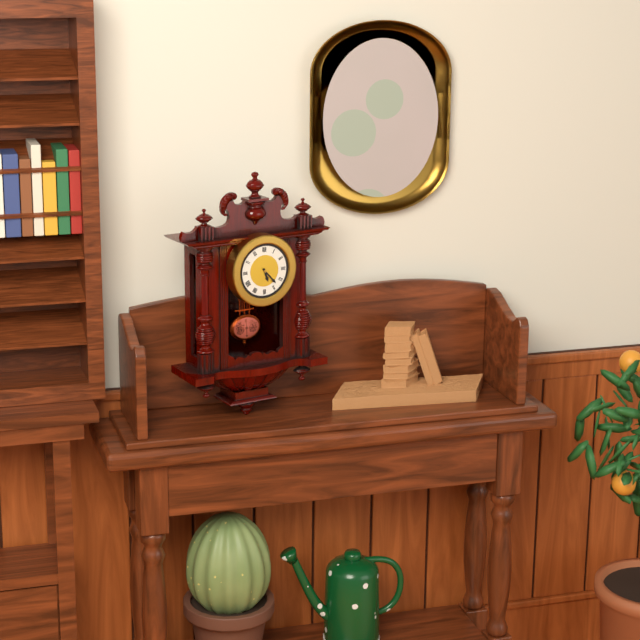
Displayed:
5,23
